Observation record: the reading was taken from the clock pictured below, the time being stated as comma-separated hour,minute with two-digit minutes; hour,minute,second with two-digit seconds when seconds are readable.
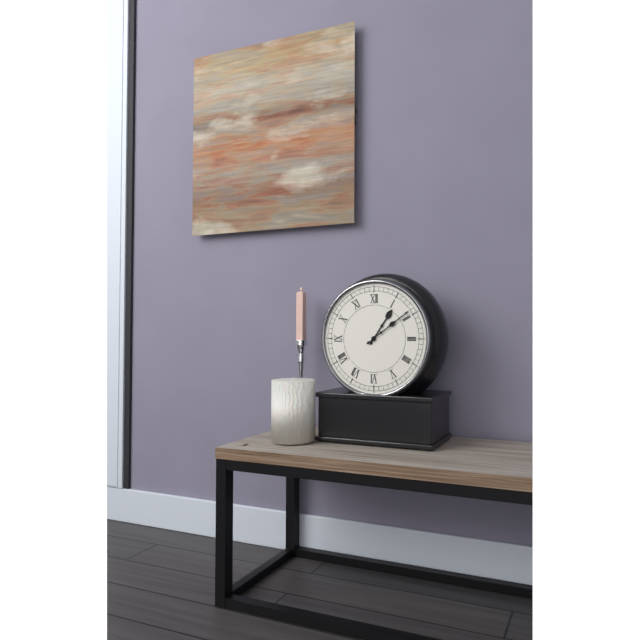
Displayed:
1,09
